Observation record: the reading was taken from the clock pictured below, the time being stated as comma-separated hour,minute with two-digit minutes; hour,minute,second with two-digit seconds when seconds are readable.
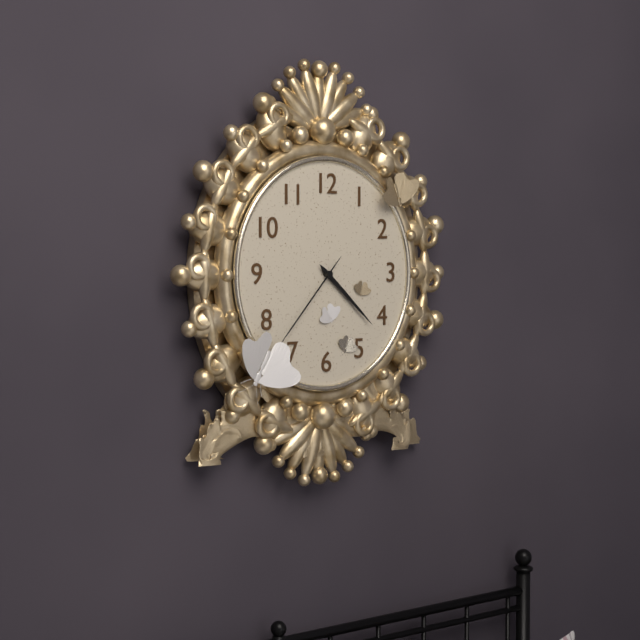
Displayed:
4,22,37
